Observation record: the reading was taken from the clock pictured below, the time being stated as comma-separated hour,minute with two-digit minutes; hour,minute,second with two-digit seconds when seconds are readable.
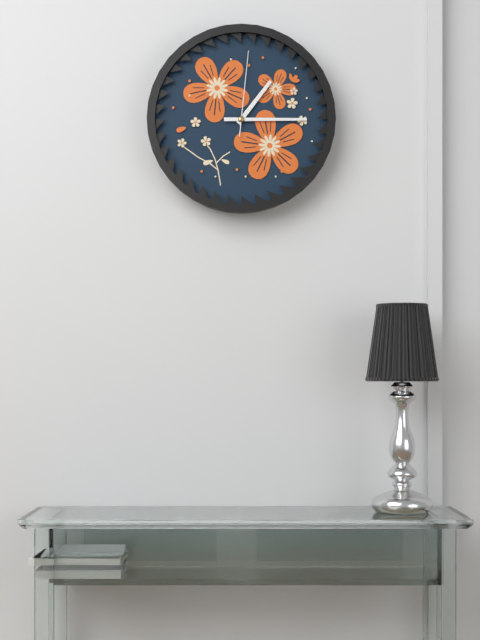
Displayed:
1,15,01
